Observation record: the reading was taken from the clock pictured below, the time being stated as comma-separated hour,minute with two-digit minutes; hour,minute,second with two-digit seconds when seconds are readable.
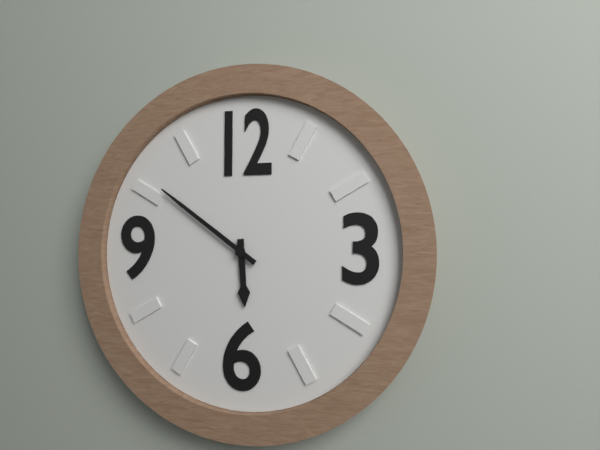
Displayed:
5,51
